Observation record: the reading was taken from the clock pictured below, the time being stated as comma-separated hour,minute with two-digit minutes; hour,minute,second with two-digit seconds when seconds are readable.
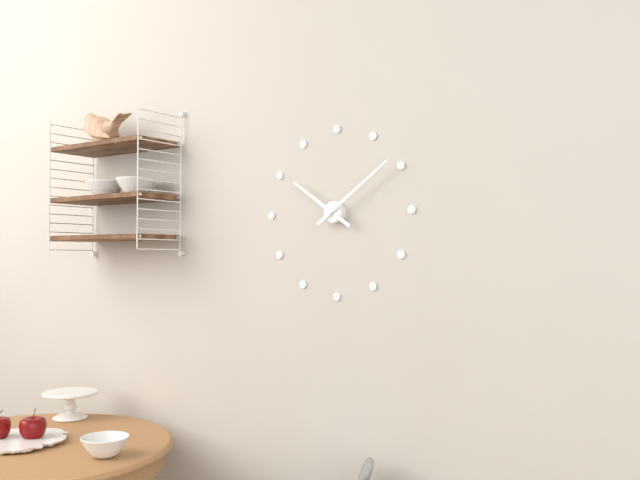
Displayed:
10,09
